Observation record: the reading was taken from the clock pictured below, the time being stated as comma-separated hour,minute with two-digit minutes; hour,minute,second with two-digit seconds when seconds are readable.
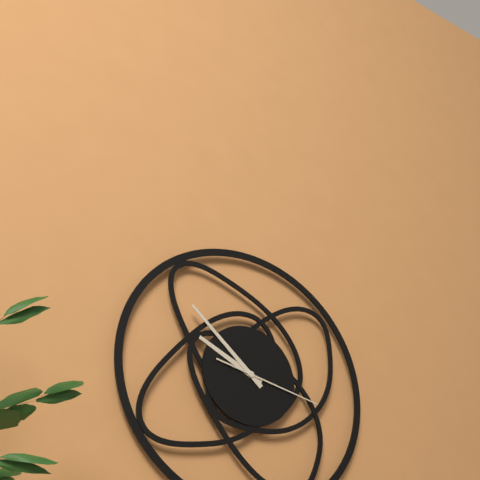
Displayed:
9,52,17
